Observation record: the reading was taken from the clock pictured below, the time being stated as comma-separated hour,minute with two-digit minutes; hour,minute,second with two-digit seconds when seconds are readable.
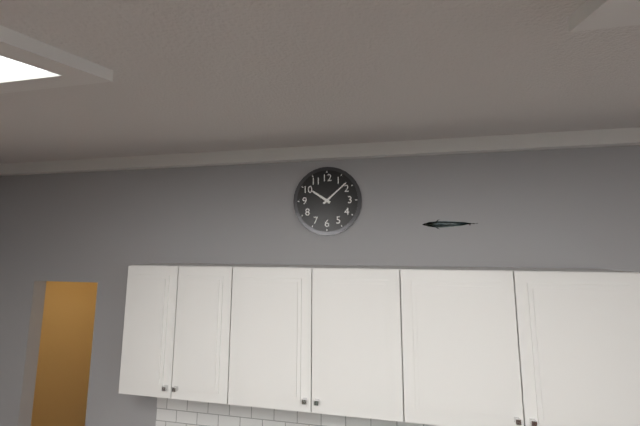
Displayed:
10,08
